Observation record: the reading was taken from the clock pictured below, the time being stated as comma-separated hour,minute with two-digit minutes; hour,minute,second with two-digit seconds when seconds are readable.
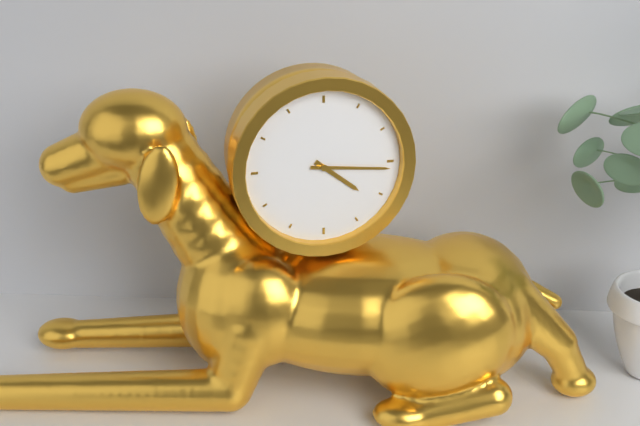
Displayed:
4,16
